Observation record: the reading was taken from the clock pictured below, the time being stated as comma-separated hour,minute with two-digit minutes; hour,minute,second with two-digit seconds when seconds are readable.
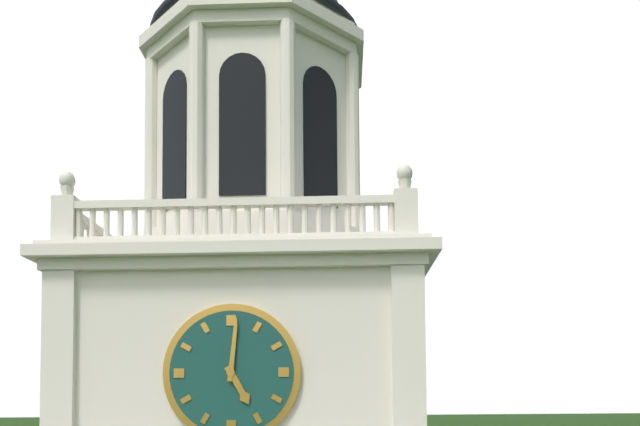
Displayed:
5,01
